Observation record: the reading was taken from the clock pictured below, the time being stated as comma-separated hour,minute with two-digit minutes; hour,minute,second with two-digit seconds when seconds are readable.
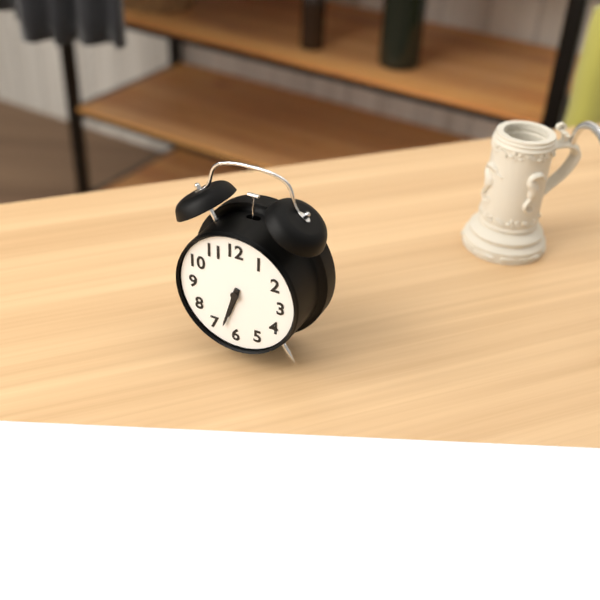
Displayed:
6,33
